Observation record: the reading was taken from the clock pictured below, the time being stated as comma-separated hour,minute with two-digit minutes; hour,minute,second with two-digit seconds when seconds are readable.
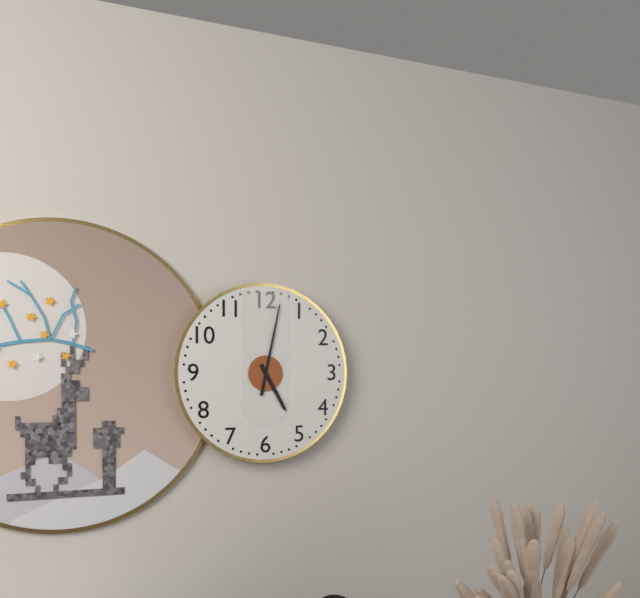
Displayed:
5,02
